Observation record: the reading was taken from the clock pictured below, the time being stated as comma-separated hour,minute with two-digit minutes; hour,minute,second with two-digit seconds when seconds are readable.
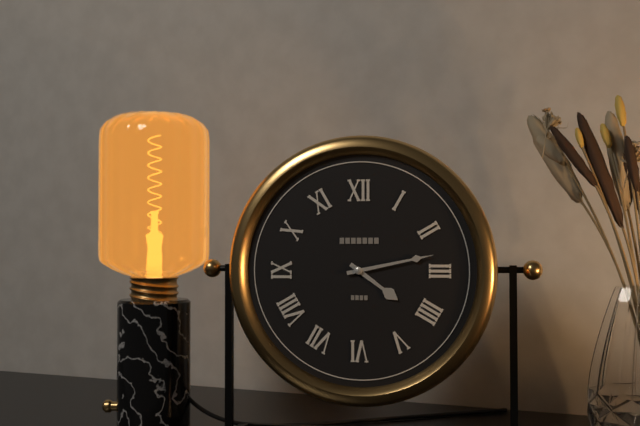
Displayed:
4,13
